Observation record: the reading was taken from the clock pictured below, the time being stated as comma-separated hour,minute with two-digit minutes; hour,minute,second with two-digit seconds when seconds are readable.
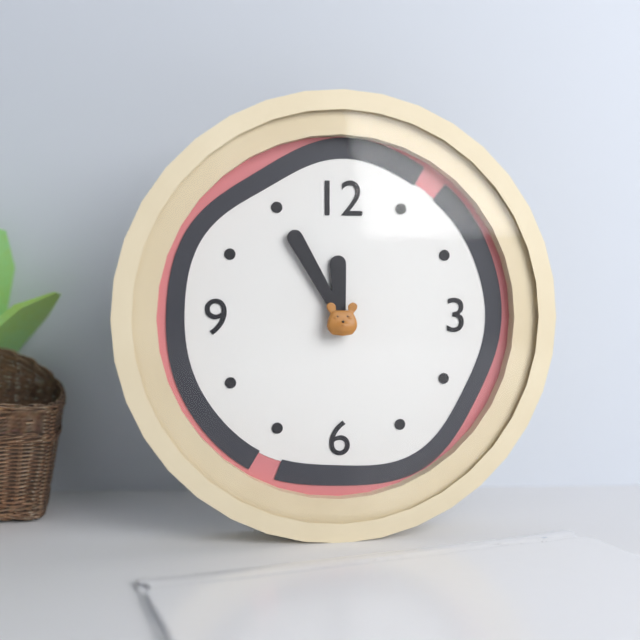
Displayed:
11,55
